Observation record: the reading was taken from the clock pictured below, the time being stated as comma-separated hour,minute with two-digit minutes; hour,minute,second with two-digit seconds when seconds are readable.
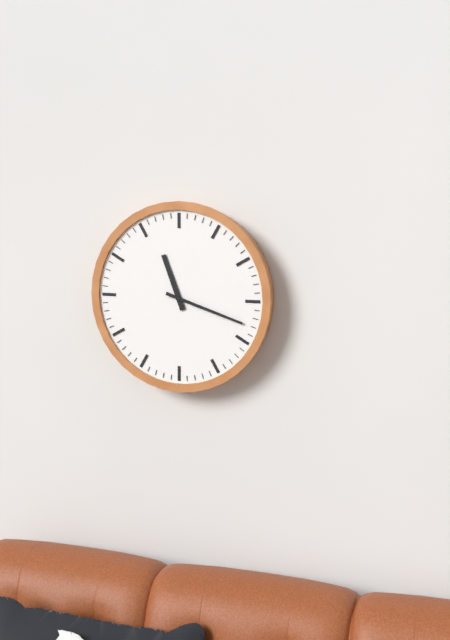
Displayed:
11,18
